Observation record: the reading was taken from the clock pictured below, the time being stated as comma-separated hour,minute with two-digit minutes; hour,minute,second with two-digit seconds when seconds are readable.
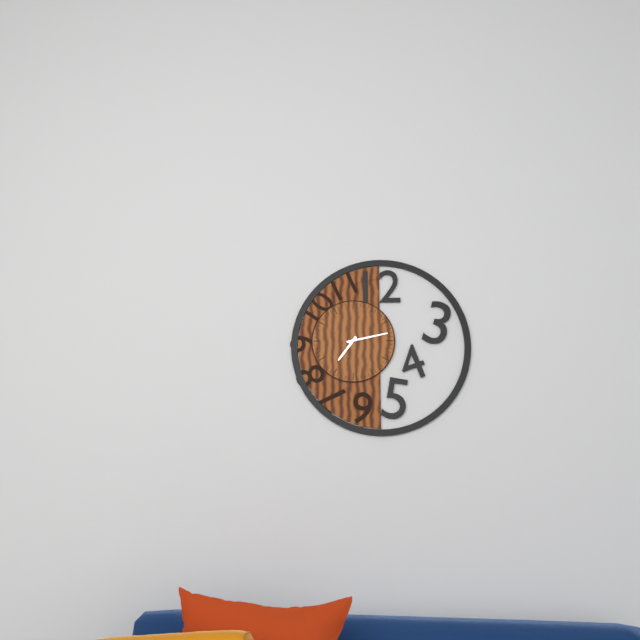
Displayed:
7,13
